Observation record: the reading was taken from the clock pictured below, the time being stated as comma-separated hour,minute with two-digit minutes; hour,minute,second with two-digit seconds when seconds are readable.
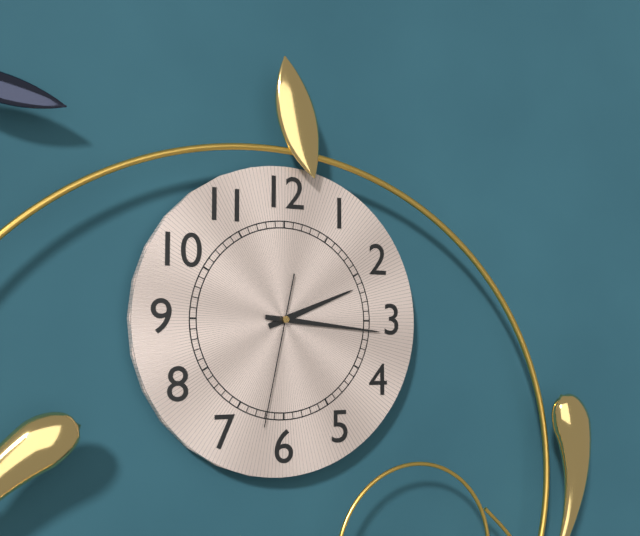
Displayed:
2,16,32
